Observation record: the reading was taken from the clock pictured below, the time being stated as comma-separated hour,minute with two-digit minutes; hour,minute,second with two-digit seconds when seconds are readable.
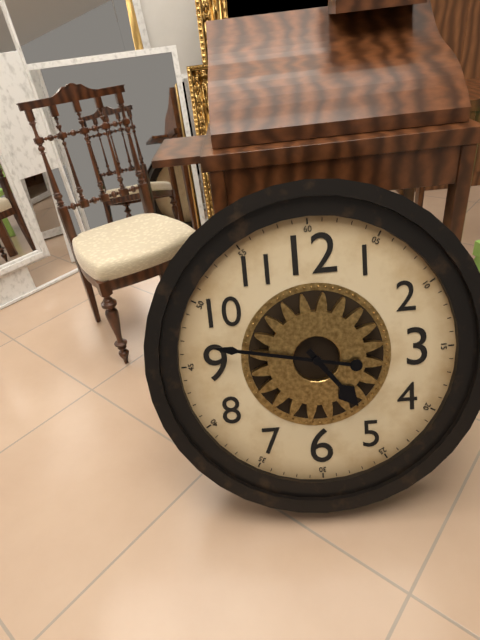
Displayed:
4,47
